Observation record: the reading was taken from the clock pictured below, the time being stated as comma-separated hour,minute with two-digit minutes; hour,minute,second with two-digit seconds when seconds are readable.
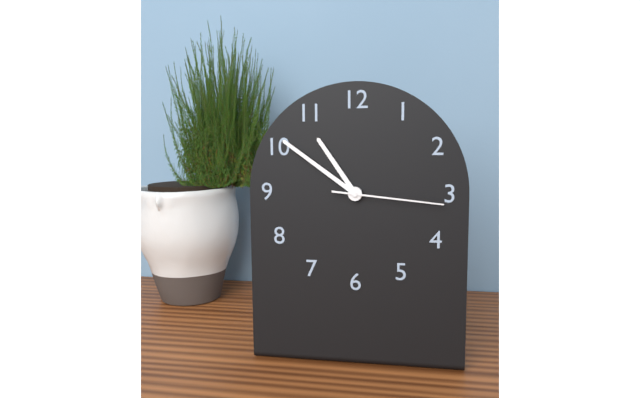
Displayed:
10,51,16
